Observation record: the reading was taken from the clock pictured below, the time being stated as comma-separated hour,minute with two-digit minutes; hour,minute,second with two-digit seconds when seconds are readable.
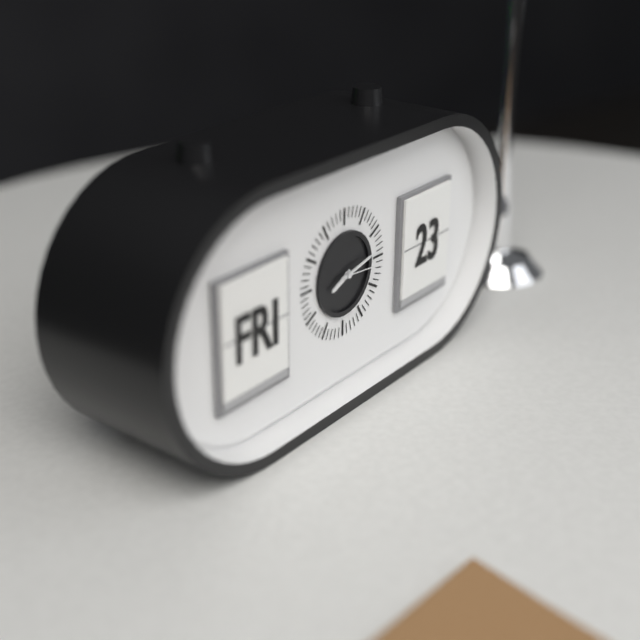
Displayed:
8,13,16
